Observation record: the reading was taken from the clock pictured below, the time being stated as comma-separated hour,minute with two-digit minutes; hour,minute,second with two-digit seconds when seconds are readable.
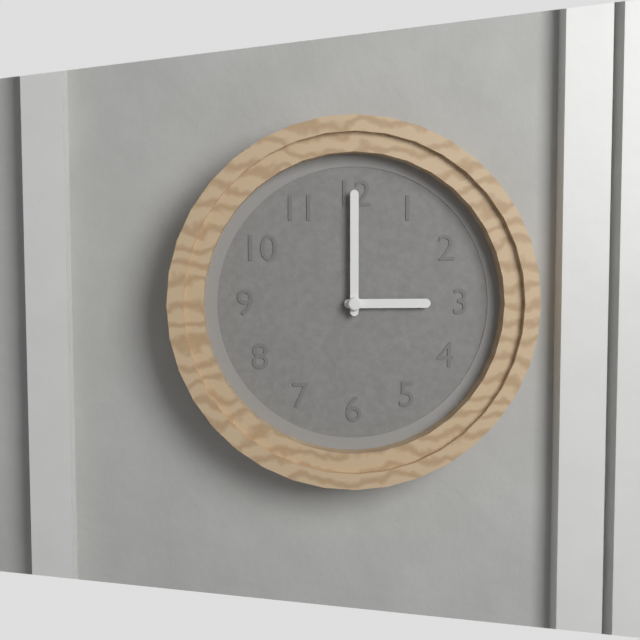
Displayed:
3,00
